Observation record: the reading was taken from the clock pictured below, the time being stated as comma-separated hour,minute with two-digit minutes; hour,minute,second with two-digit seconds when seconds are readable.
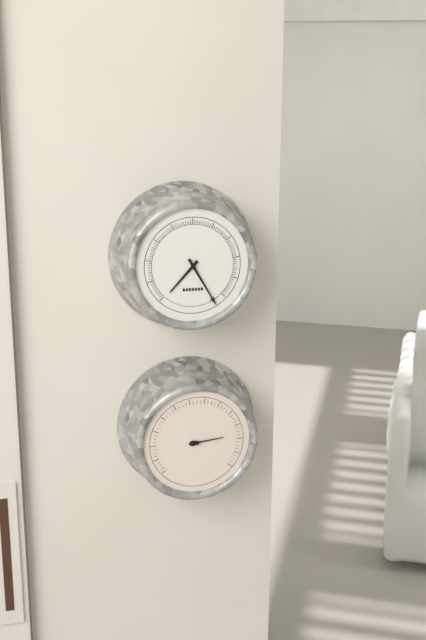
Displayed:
7,25
